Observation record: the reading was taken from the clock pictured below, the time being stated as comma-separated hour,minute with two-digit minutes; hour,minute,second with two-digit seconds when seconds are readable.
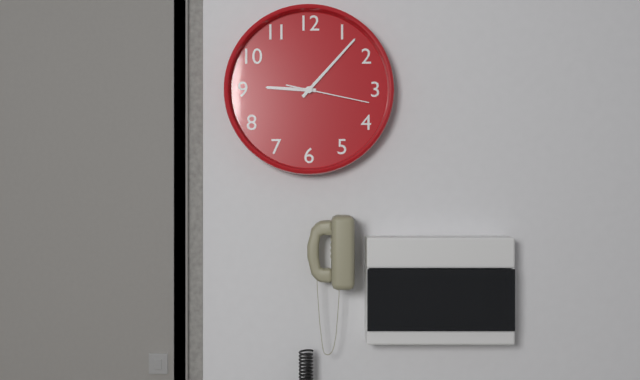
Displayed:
9,07,17
